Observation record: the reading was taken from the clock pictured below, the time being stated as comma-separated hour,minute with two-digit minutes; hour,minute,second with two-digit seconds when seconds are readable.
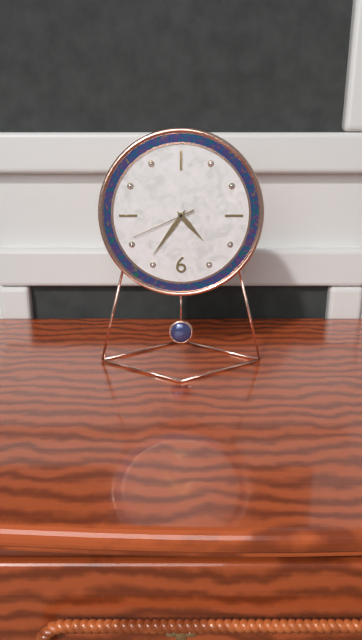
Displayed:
4,36,41
